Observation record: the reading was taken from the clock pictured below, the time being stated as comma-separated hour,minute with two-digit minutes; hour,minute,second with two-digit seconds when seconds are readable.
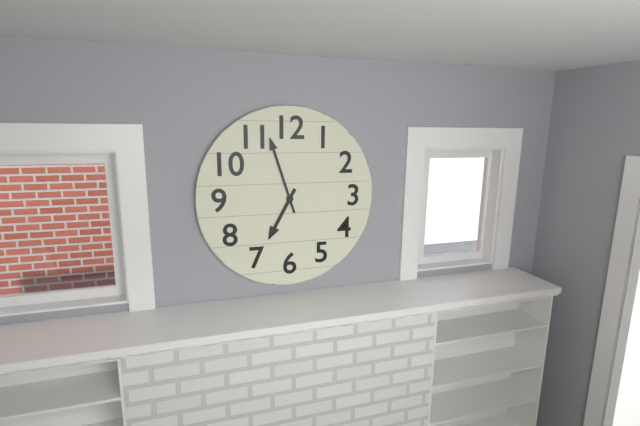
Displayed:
6,57
